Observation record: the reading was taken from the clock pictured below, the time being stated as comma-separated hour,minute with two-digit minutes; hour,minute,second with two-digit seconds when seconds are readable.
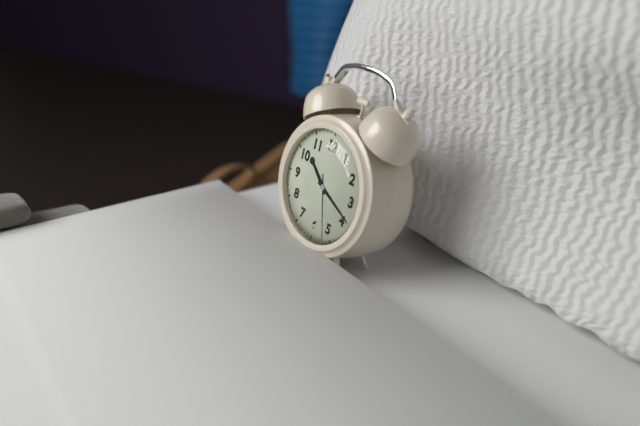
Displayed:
10,19,27
